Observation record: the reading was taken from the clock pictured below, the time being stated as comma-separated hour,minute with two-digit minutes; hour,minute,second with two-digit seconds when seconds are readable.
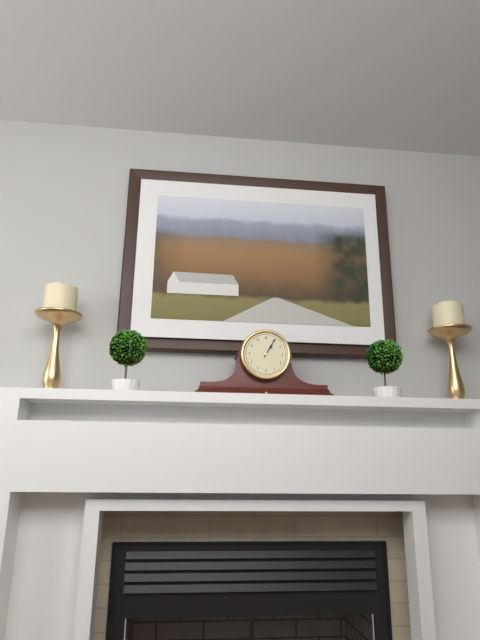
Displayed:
1,05
